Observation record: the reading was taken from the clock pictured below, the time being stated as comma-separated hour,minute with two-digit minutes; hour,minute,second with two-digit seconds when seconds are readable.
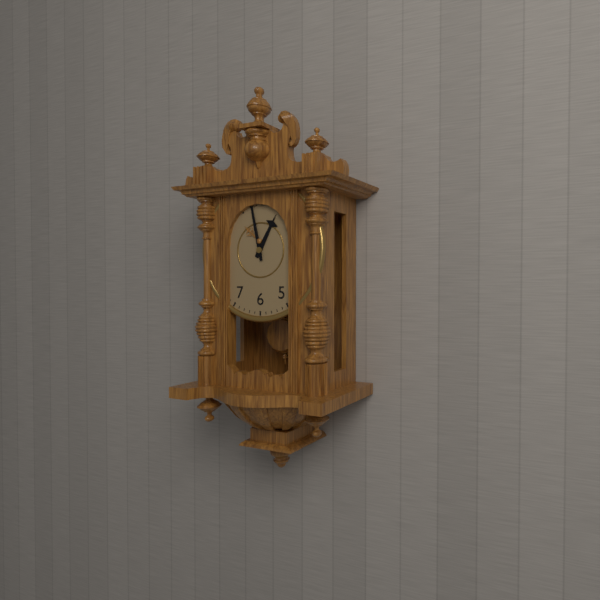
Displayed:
12,58
